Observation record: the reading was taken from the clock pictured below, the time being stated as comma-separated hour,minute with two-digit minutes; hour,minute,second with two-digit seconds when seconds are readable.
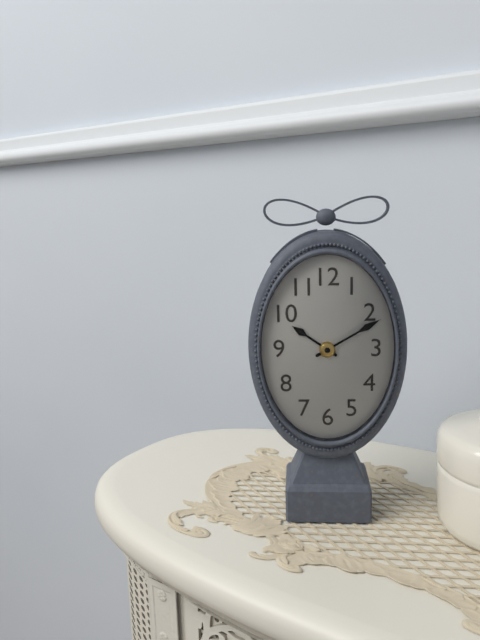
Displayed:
10,10
